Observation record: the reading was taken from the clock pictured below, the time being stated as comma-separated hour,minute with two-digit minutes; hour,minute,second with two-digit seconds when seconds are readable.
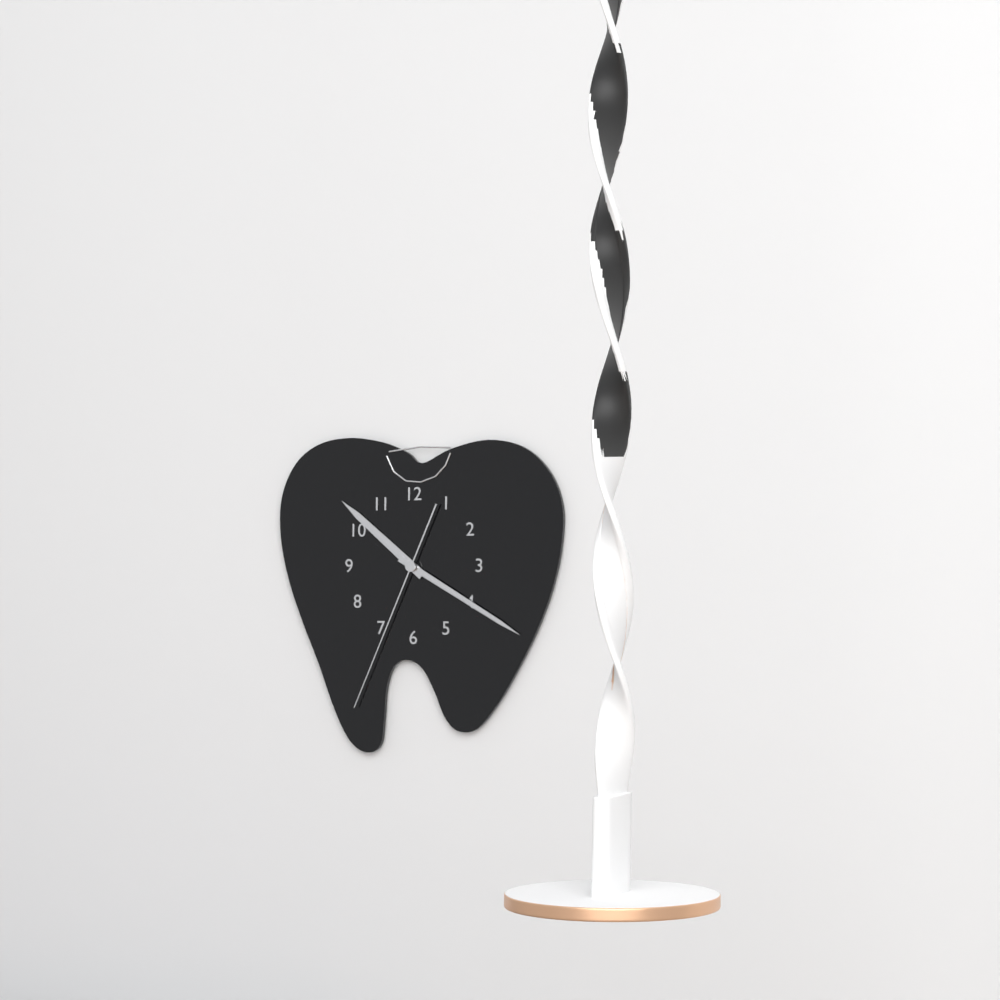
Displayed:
10,20,34
